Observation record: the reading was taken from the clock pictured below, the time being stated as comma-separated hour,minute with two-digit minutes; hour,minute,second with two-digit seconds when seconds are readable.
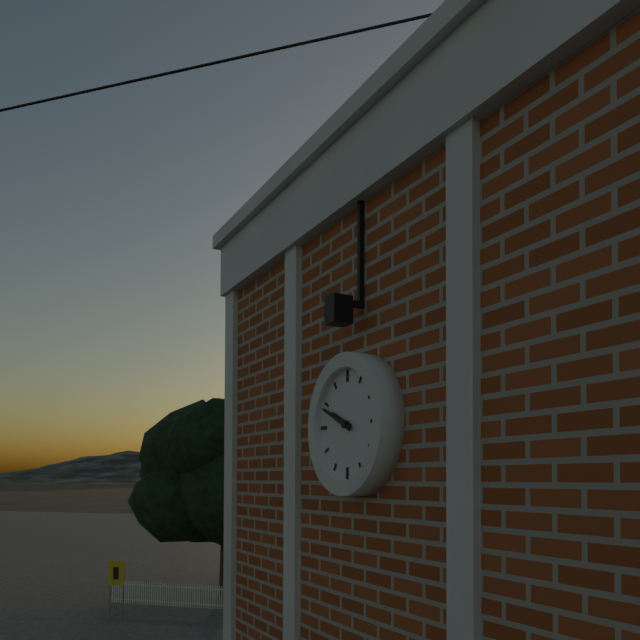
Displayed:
9,49
